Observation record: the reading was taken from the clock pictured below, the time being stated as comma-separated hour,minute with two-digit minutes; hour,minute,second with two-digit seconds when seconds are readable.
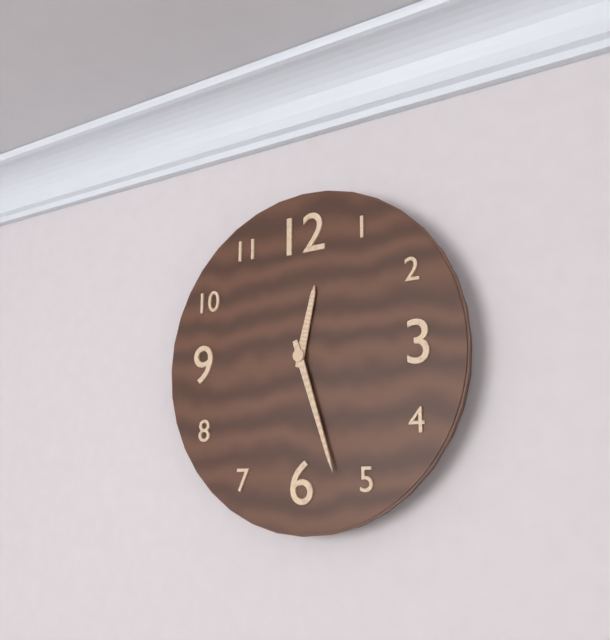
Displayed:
12,27
